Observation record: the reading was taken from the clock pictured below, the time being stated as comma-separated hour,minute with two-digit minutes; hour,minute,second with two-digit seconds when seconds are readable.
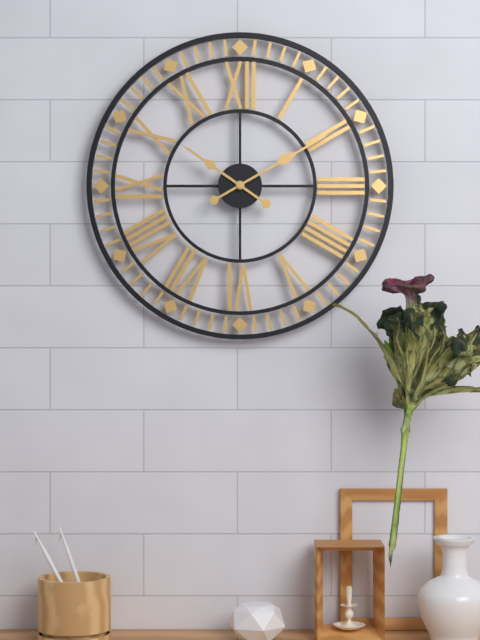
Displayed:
10,10
